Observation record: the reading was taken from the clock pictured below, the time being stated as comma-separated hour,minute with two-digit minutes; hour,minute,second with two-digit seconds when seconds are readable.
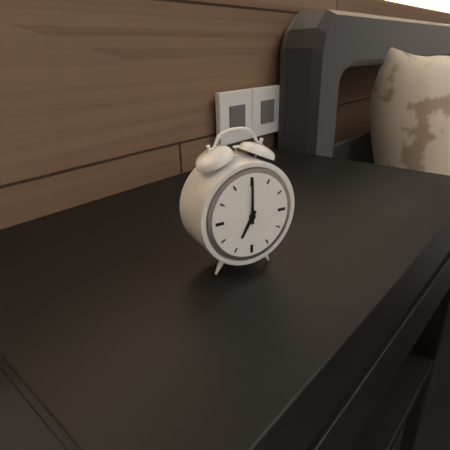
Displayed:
7,00
